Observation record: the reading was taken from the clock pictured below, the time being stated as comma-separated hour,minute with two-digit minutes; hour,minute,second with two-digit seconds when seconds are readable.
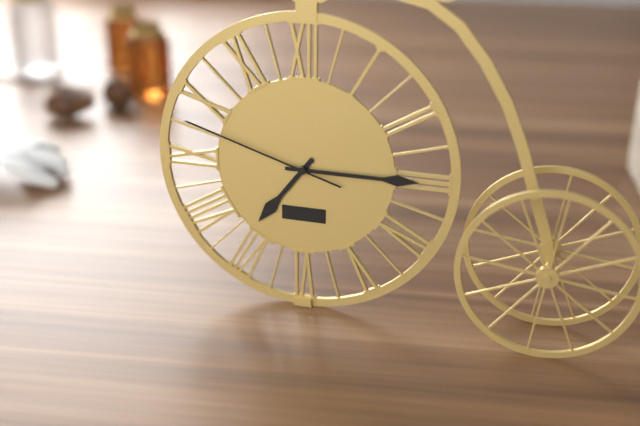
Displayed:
7,15,48
